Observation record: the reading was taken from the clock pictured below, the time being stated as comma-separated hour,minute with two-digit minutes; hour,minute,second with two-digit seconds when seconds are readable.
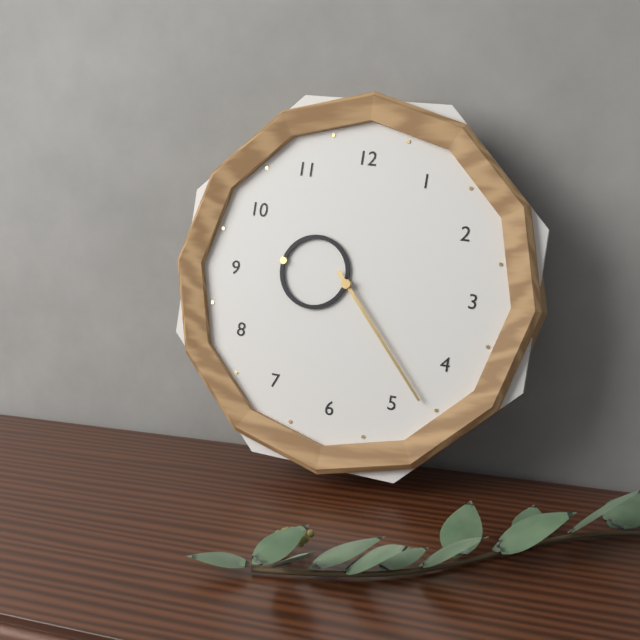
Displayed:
9,23
